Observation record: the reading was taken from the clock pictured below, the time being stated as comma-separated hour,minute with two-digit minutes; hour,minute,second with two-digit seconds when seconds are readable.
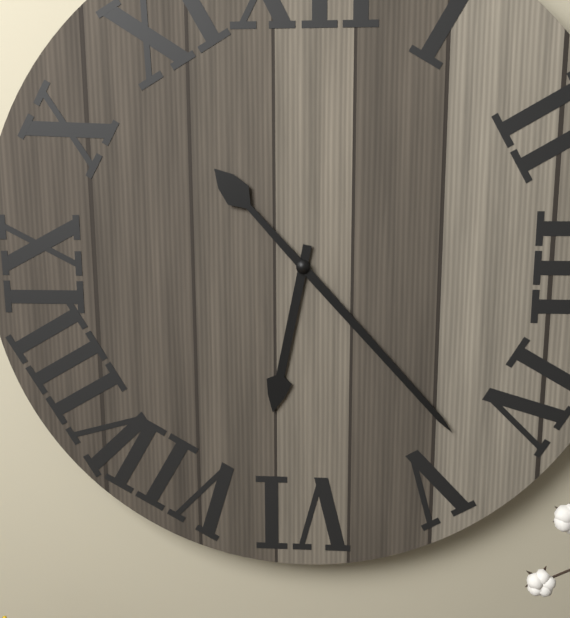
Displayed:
6,23
